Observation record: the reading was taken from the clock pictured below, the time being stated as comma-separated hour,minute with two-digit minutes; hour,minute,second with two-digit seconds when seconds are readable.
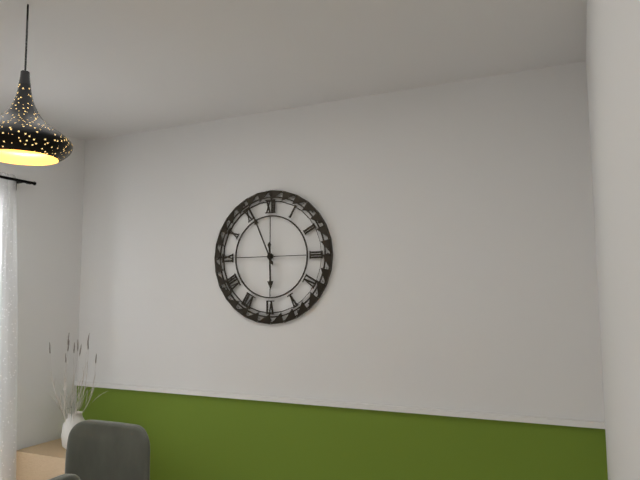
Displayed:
5,56
